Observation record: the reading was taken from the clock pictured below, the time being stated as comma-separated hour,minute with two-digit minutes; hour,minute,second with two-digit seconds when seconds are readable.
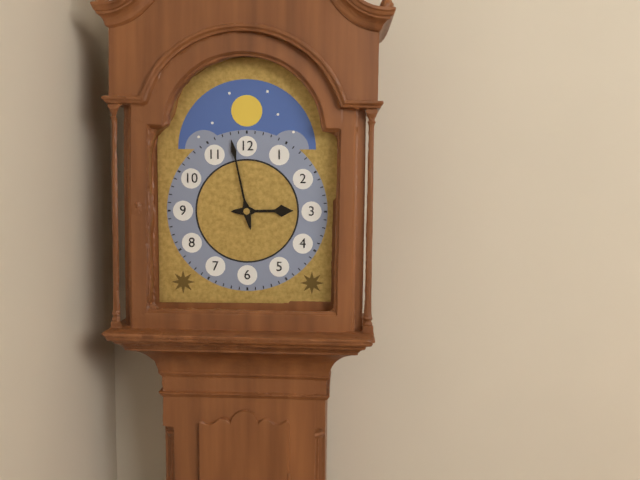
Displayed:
2,58
